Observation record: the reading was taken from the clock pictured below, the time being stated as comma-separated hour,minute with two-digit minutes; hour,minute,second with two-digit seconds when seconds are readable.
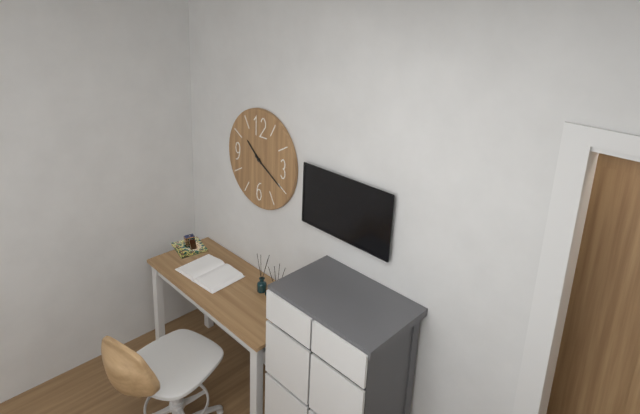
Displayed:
10,20
